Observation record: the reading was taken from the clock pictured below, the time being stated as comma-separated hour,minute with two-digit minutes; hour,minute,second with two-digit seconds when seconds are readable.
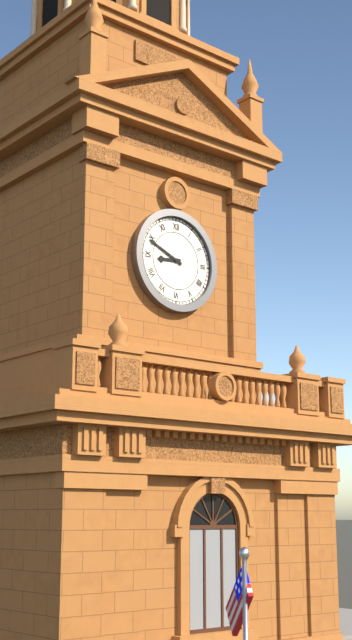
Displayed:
8,49
